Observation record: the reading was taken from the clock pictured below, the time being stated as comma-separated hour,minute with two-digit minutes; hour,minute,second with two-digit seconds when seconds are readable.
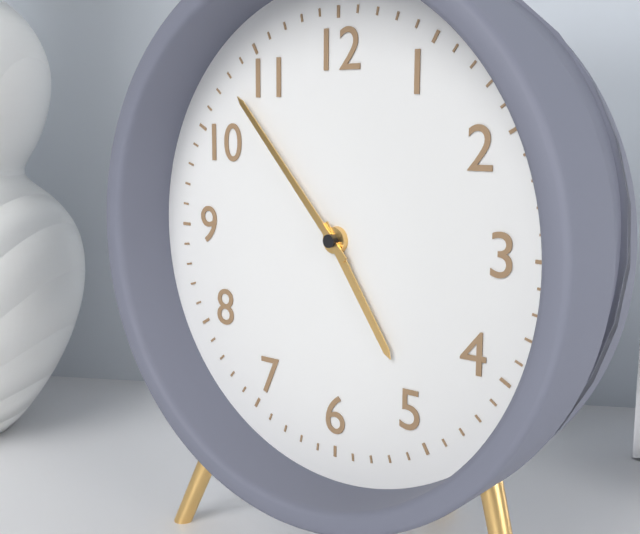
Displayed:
4,53
